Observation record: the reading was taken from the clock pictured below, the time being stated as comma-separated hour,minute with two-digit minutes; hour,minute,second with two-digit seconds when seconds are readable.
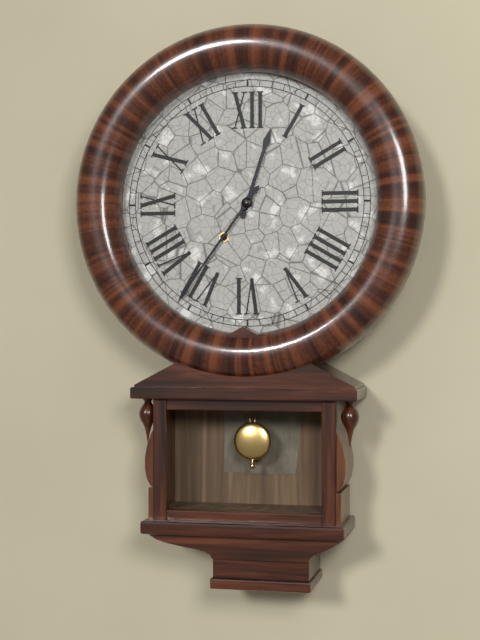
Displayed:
12,36
